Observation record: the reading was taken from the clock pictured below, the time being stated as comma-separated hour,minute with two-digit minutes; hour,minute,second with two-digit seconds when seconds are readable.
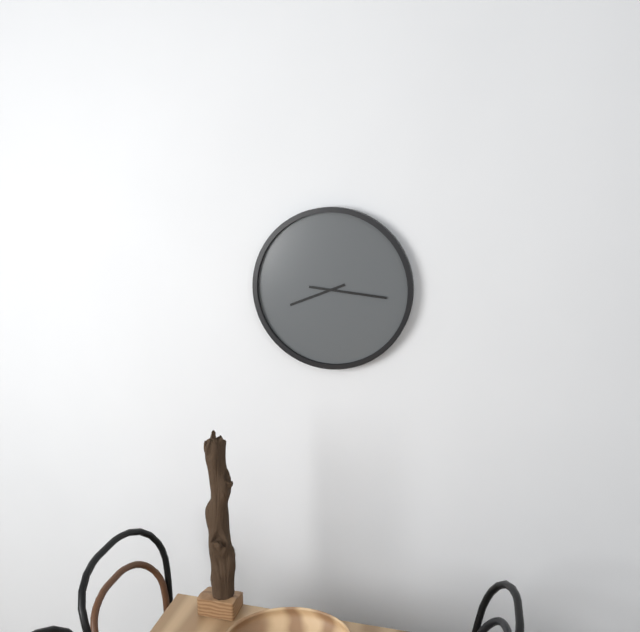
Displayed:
8,16
